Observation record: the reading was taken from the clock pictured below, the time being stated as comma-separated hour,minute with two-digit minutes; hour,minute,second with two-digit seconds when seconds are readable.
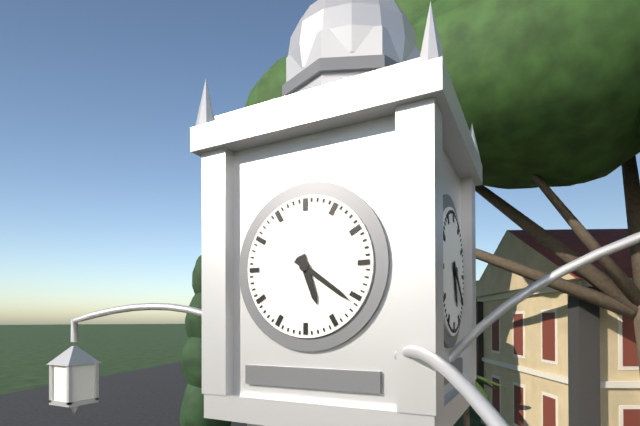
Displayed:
5,21
